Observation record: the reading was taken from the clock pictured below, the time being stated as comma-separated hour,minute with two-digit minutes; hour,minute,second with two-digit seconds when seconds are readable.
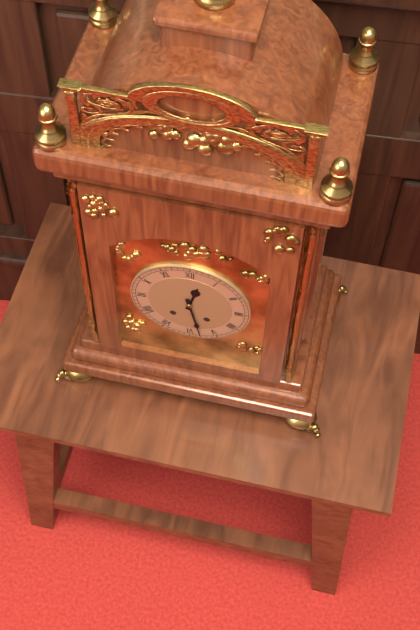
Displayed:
12,28
